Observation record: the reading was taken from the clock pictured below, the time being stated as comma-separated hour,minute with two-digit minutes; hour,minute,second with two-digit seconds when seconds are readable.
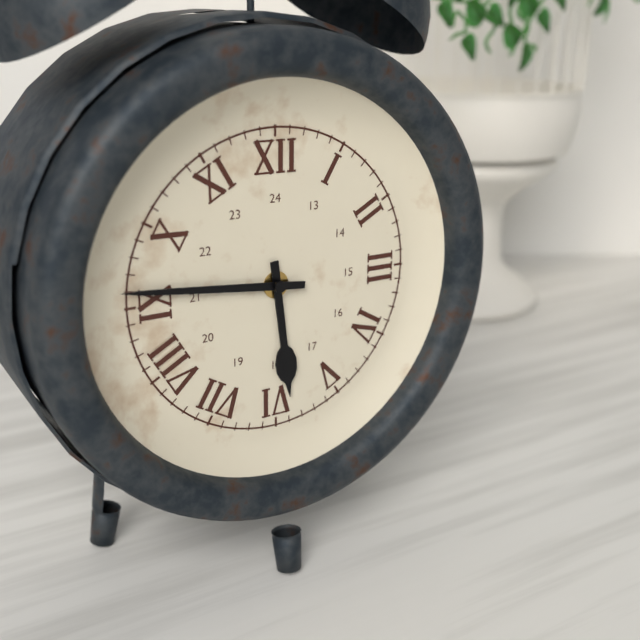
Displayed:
5,46
